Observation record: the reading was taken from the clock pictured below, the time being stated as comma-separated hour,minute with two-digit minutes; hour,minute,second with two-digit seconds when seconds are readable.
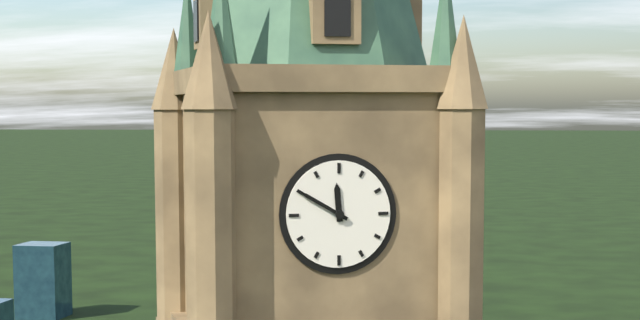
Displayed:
11,50
